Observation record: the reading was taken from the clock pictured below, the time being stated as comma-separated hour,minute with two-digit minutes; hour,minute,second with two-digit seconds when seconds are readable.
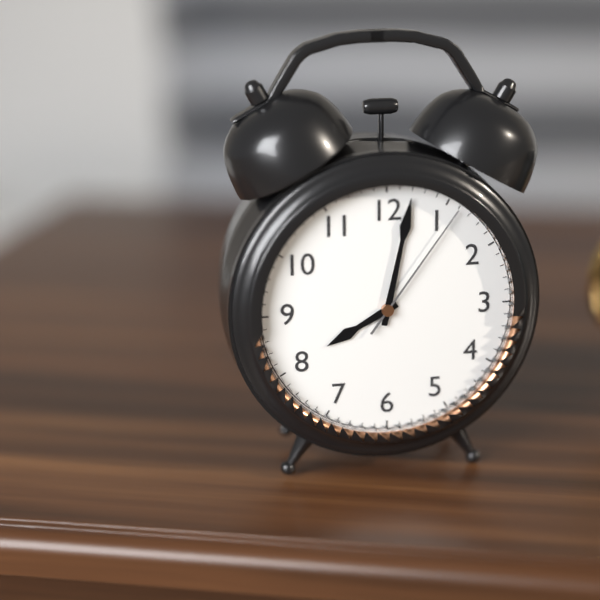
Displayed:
8,02,06
